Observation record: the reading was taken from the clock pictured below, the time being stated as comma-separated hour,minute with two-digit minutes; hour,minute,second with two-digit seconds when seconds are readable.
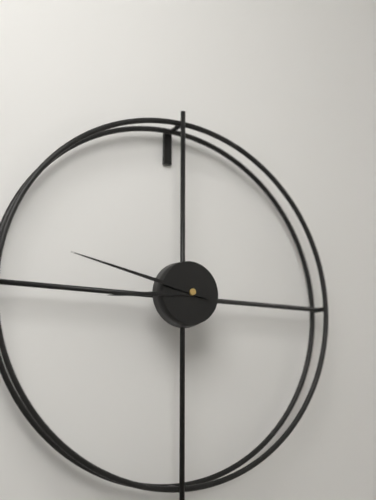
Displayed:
8,47
